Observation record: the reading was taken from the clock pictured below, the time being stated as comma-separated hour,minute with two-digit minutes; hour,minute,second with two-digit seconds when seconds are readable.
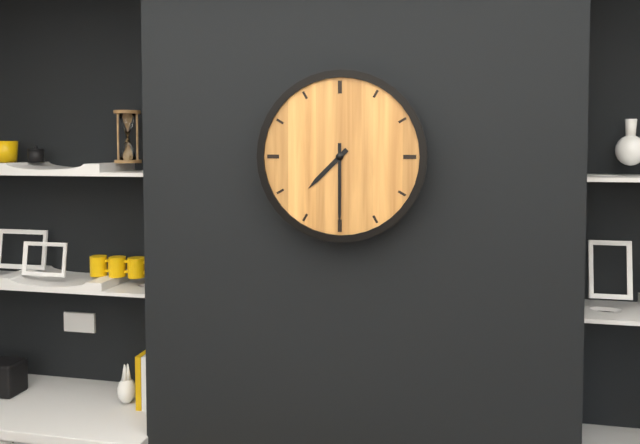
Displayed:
7,30
